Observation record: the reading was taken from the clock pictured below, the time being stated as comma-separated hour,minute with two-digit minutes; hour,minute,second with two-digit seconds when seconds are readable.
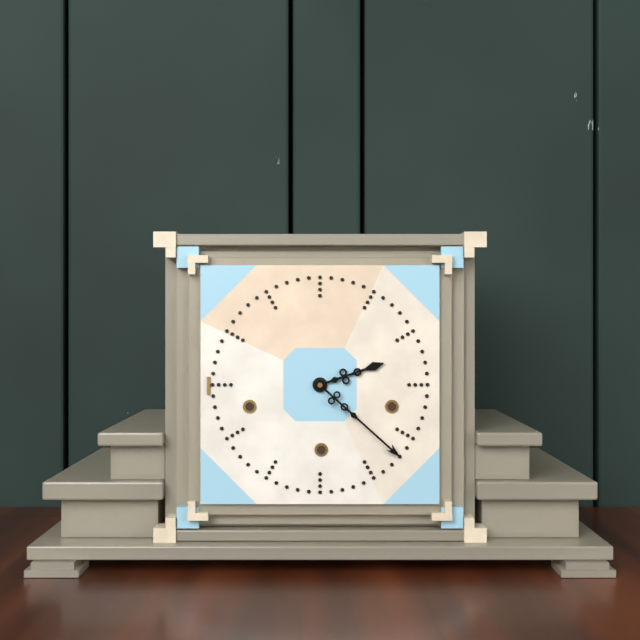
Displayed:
2,22
